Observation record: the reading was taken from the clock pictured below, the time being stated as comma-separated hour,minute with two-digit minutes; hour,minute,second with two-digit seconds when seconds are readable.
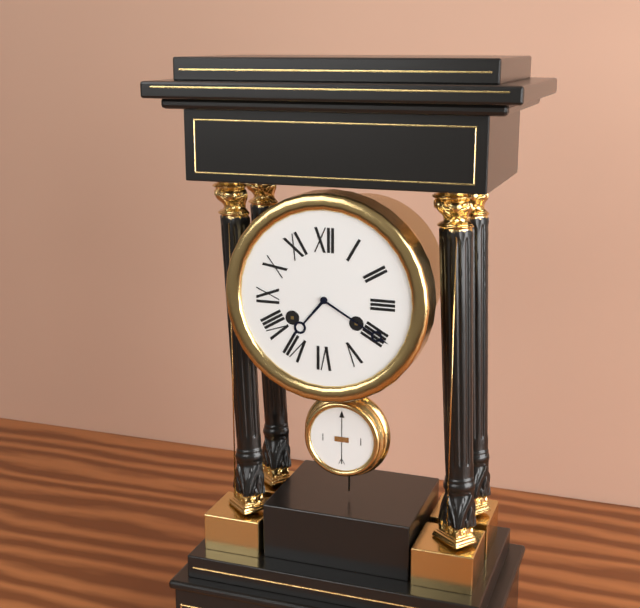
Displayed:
7,20
